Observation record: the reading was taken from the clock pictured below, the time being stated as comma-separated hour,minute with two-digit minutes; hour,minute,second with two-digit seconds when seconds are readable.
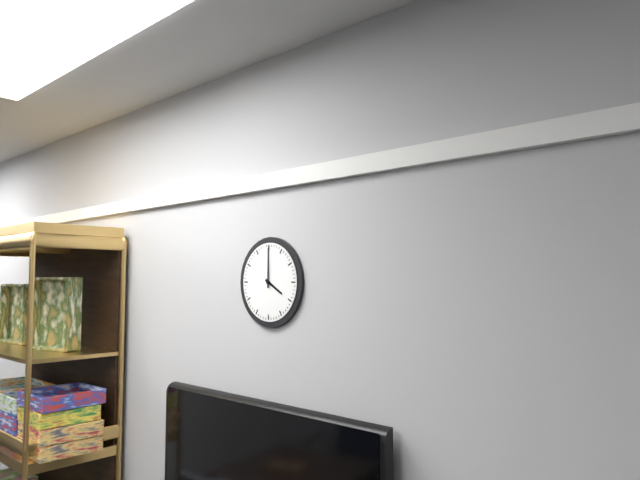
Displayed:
4,00
